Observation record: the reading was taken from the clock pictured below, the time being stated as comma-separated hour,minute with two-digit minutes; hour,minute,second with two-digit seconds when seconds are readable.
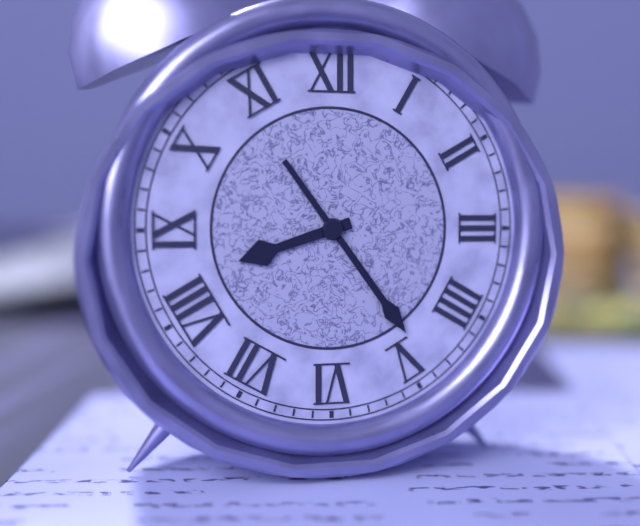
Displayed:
8,24
